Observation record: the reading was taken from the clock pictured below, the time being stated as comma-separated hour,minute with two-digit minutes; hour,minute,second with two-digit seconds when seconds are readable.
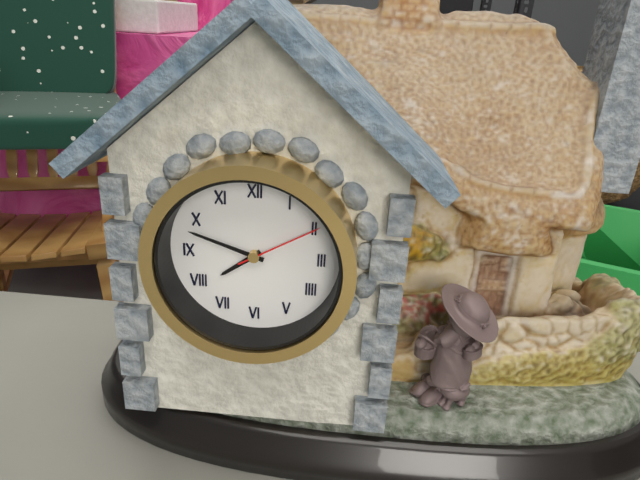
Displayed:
7,48,10
